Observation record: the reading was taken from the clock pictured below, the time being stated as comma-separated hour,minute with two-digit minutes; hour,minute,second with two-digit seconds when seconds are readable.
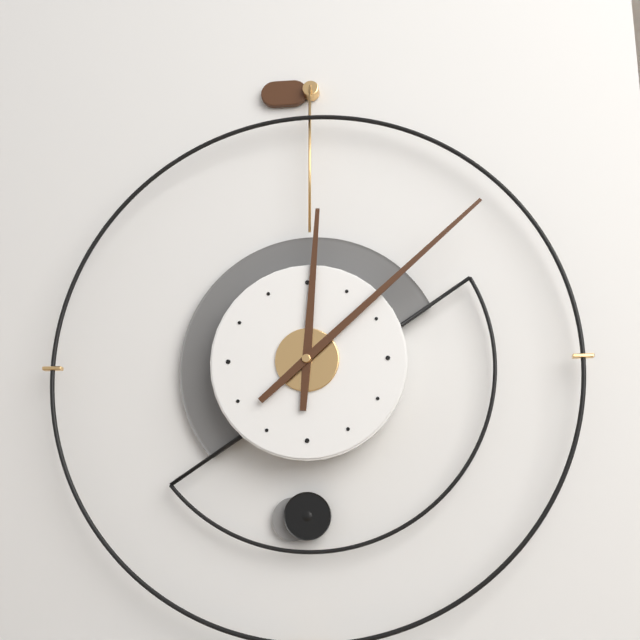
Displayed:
12,08
